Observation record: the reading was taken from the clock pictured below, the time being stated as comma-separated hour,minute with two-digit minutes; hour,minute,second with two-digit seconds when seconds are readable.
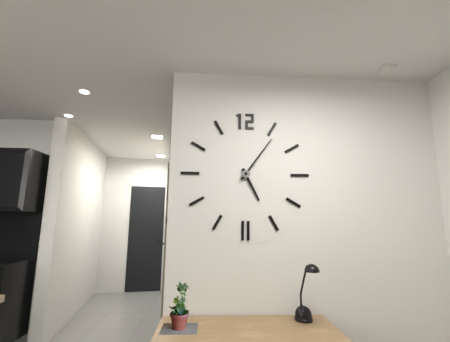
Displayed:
5,06
